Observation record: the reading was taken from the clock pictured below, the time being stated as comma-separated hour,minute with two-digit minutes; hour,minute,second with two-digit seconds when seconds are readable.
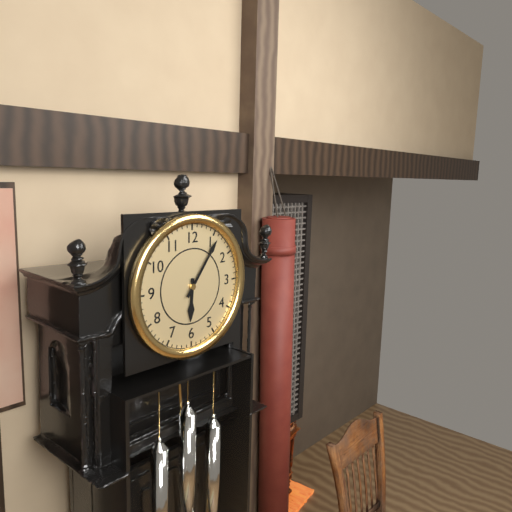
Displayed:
6,06
